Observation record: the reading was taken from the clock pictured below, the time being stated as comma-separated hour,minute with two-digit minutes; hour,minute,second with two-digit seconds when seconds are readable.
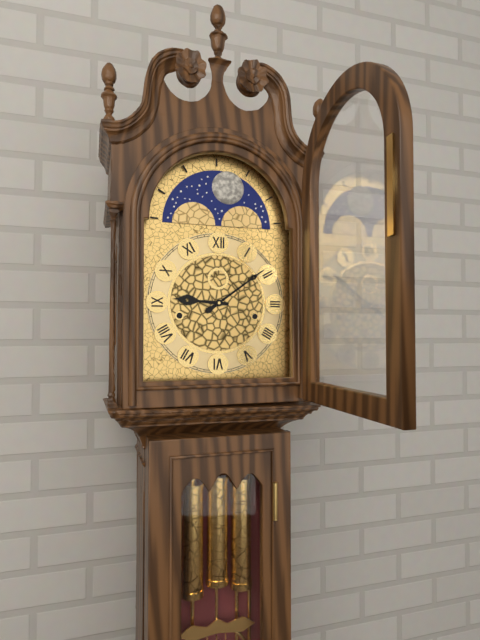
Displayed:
9,09
